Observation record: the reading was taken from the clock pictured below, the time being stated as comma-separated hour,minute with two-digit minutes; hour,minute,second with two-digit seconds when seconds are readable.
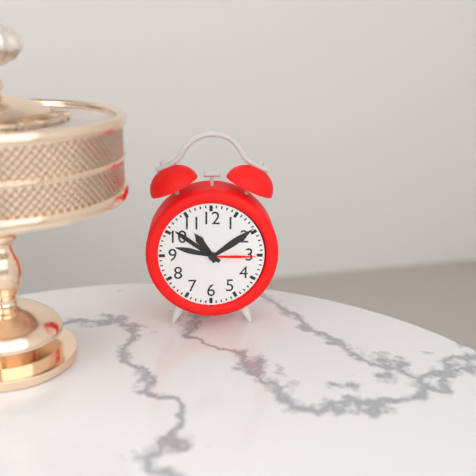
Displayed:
10,51
